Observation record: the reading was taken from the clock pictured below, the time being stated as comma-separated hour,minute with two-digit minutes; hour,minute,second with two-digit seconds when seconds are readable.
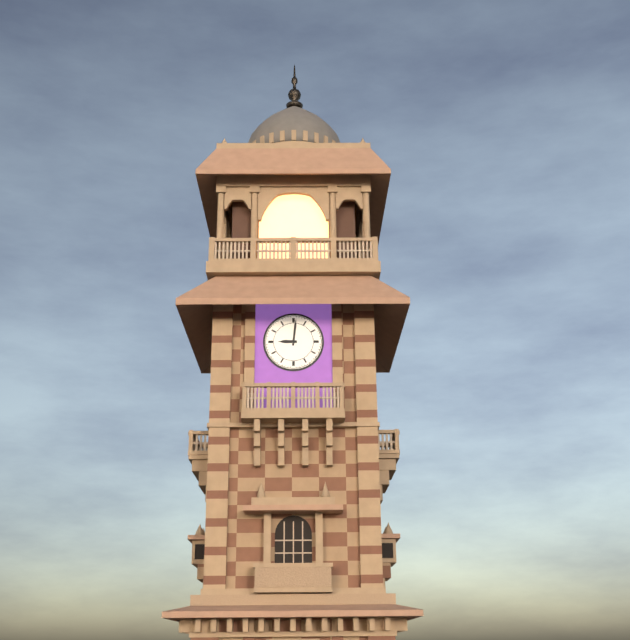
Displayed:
9,01
